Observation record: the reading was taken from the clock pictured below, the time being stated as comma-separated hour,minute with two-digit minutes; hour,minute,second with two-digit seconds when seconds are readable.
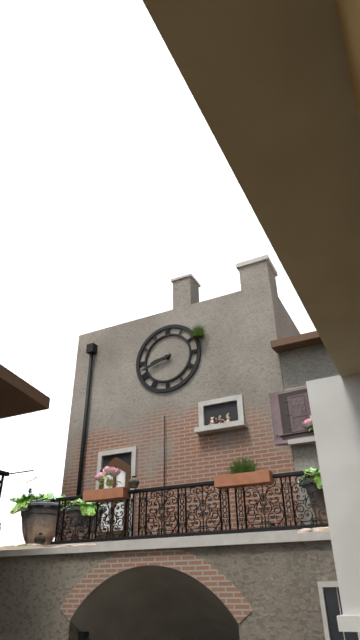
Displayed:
8,42
